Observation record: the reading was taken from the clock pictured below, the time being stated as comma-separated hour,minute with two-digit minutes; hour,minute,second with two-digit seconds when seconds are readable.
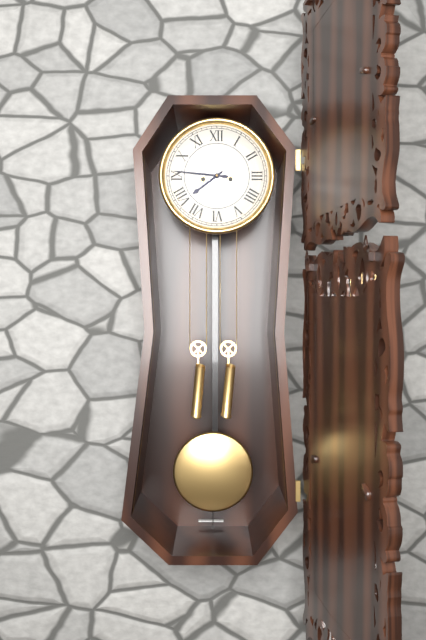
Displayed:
7,46
